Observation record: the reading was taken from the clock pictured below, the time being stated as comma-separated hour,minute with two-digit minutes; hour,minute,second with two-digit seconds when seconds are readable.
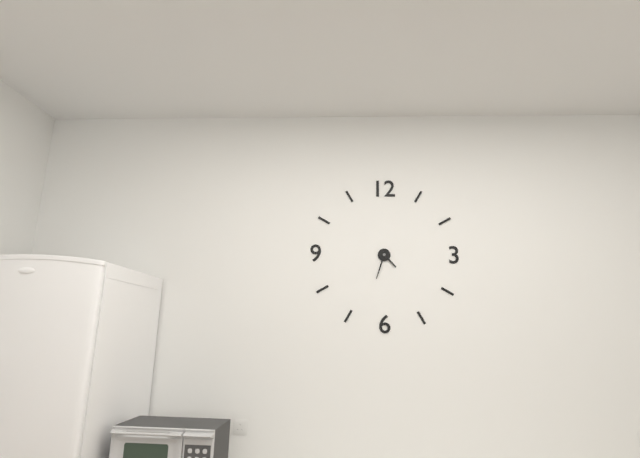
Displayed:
4,33
